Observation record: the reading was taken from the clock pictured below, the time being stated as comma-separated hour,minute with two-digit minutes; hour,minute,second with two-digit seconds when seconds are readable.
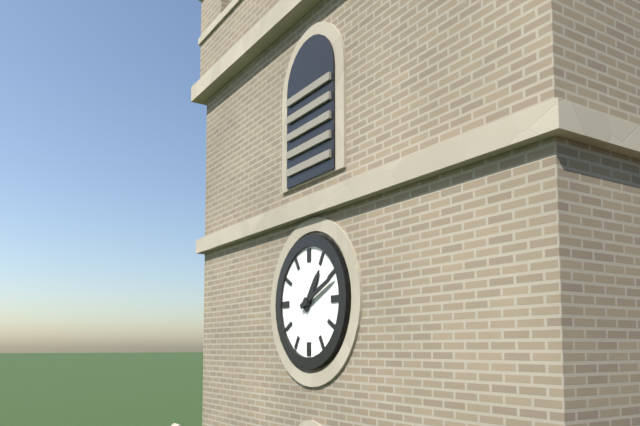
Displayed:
1,11
